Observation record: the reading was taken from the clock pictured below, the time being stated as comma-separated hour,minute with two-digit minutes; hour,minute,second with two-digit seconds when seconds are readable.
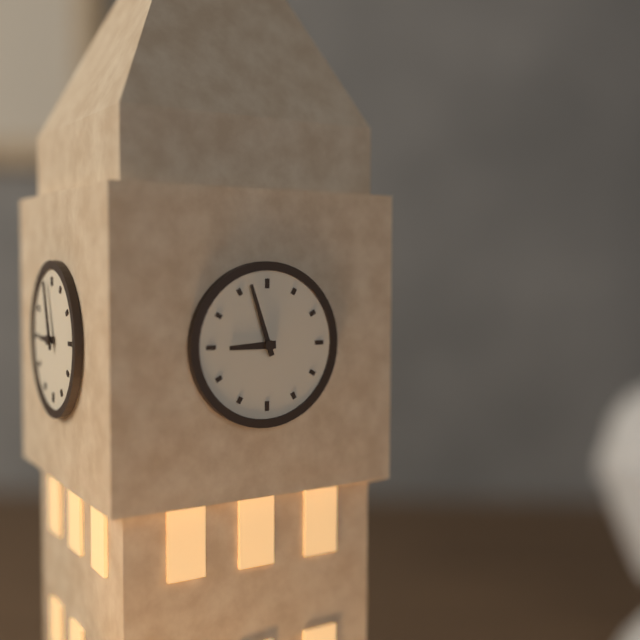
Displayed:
8,57
